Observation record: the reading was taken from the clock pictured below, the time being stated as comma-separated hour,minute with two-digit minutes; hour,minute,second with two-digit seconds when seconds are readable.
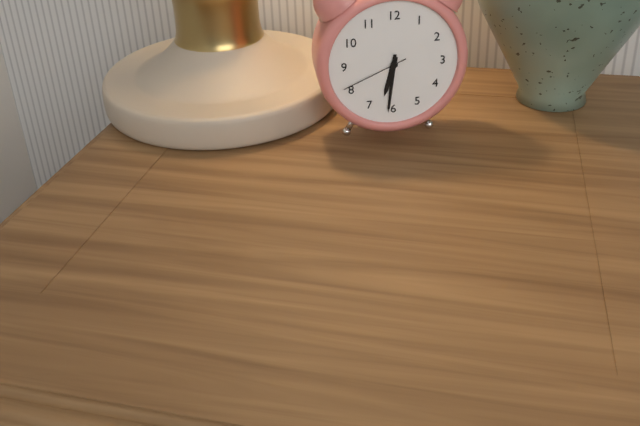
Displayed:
6,31,41
